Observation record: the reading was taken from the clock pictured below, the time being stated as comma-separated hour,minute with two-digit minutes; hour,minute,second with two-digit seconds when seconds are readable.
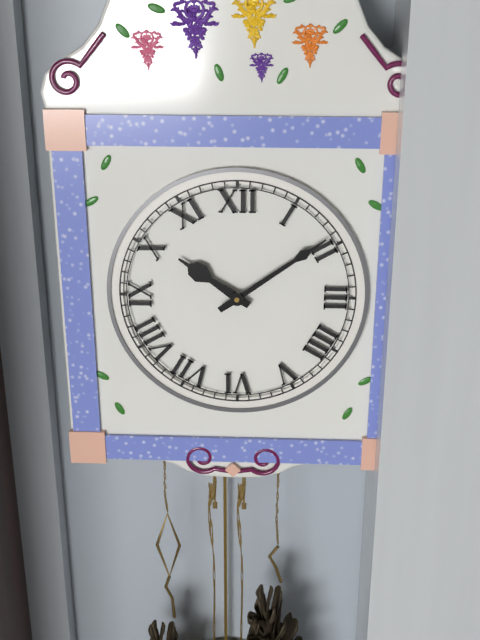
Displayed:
10,09
